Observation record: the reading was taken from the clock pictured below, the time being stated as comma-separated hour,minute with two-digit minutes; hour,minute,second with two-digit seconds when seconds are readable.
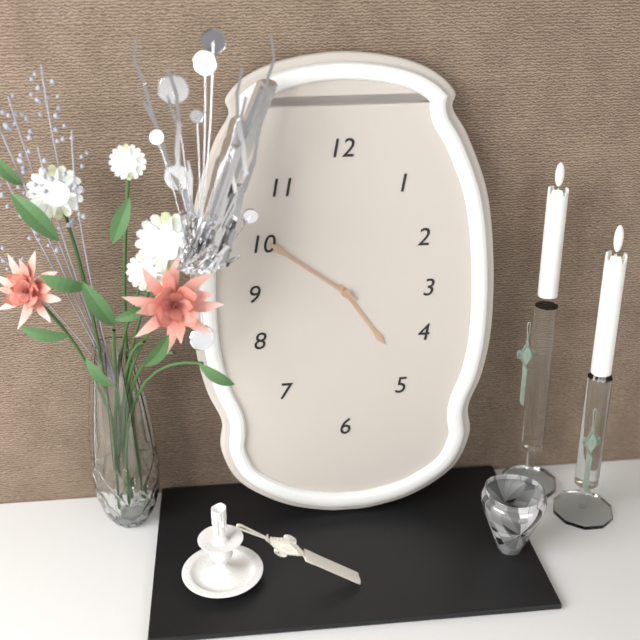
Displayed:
4,51
